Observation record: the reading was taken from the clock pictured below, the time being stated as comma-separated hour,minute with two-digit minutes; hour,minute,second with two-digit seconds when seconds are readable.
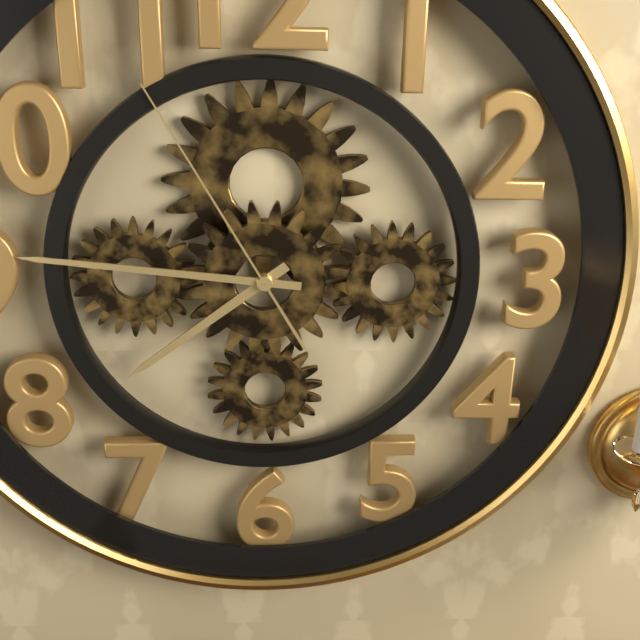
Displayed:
7,46,55
